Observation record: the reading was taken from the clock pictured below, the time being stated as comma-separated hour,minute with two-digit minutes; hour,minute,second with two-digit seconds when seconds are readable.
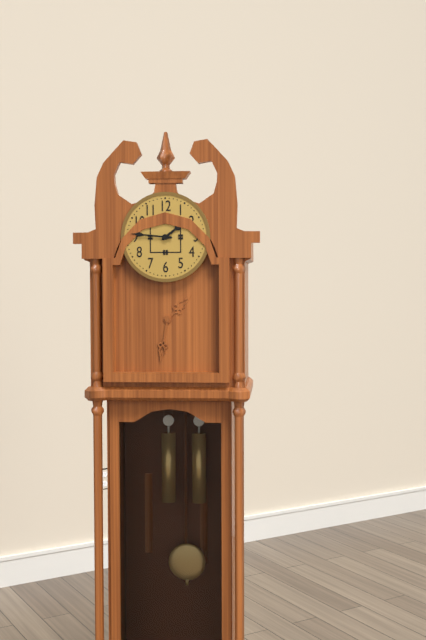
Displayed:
1,46
